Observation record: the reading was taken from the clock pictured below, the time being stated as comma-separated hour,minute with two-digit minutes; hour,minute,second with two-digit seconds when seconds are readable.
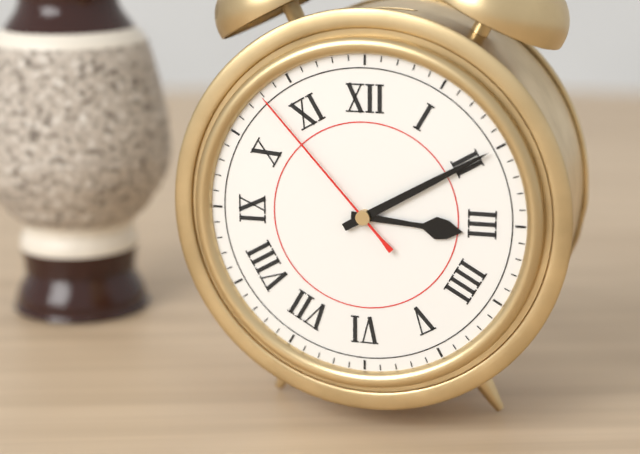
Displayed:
3,10,53
